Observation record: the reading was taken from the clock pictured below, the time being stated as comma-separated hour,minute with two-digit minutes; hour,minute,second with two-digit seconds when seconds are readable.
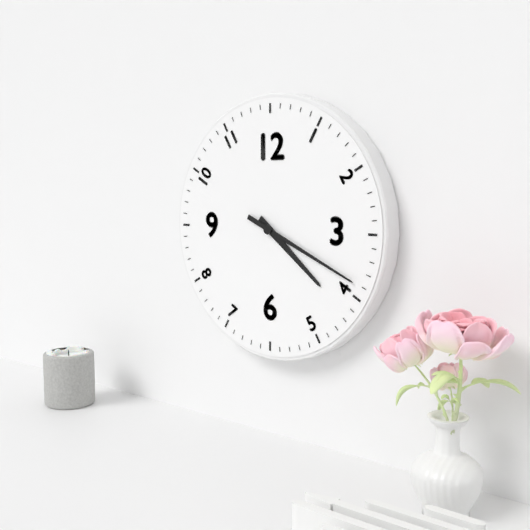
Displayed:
4,19
